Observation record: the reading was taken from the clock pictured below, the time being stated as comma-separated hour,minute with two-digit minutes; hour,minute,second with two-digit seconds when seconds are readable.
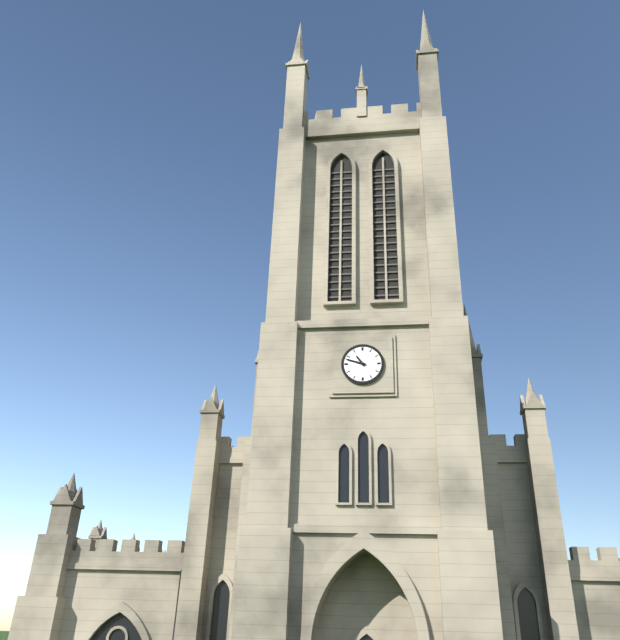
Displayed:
10,48
